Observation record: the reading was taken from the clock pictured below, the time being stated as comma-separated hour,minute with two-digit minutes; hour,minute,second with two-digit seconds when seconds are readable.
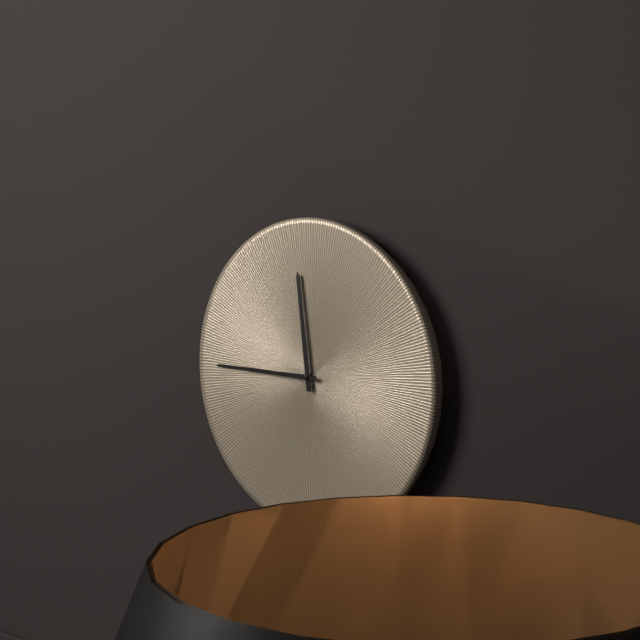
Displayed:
11,45
